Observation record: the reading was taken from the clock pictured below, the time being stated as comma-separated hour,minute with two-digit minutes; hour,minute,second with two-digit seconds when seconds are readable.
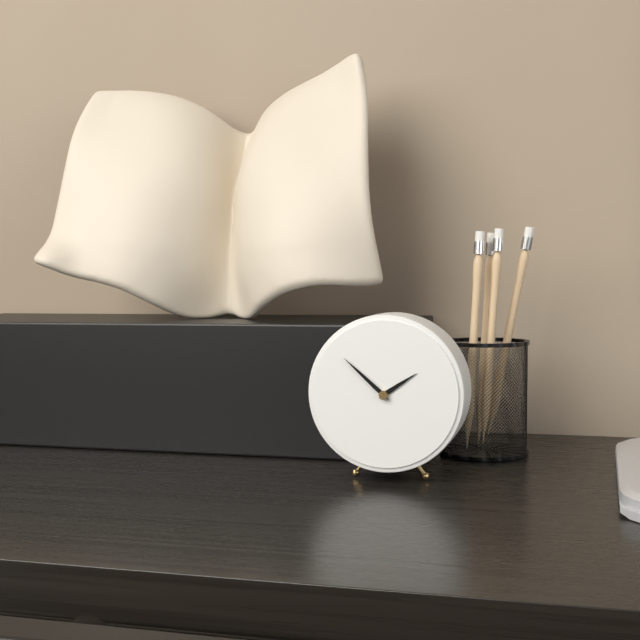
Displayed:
1,52
